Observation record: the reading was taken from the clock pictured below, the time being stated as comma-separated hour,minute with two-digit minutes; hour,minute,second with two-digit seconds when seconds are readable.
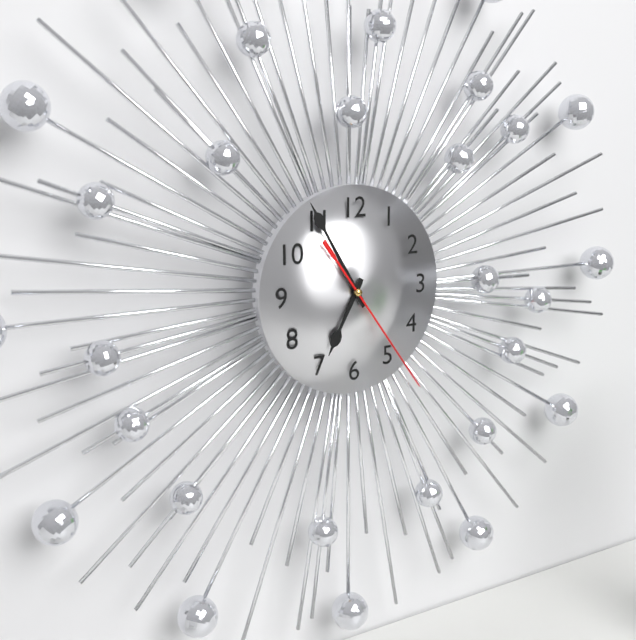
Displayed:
6,55,24
